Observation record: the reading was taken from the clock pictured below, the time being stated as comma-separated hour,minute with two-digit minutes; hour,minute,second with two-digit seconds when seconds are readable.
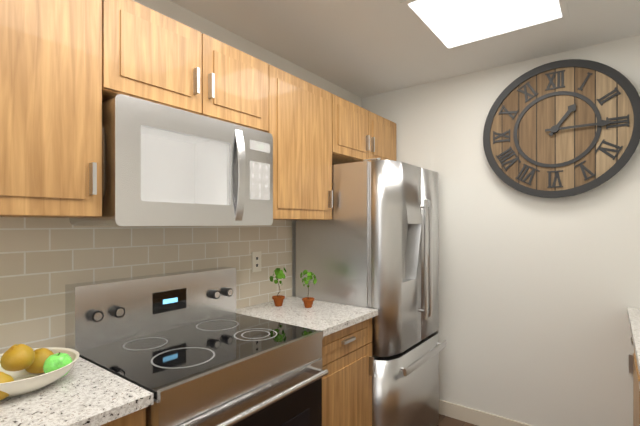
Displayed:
1,15
